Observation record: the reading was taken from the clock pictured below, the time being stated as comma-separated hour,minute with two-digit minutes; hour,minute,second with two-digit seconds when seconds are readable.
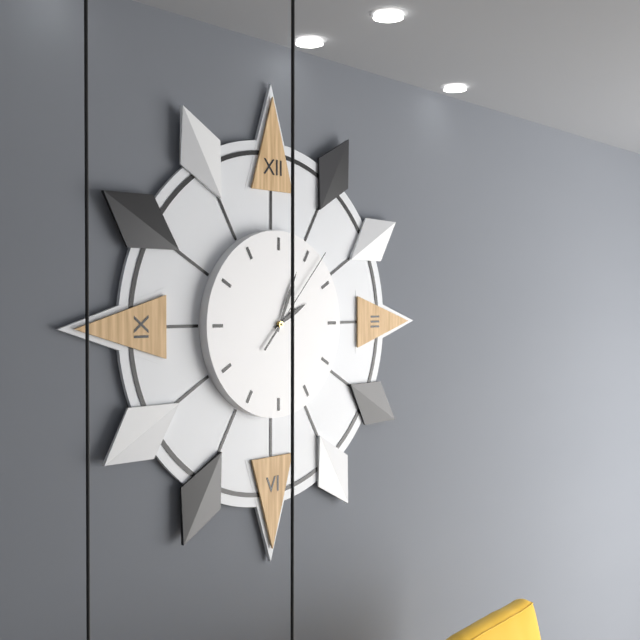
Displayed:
2,04,07
